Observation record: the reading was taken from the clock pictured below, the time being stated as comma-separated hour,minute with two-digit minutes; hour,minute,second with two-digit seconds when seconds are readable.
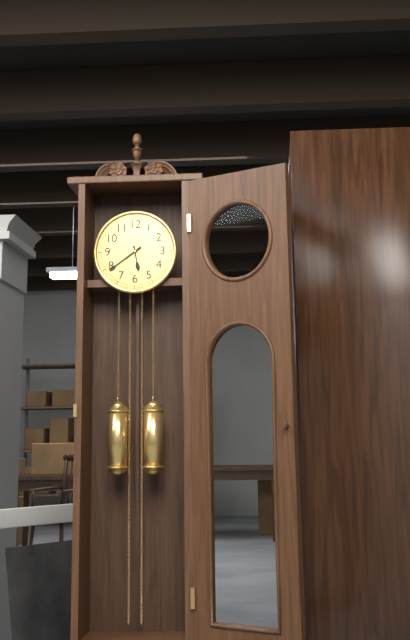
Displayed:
5,39
